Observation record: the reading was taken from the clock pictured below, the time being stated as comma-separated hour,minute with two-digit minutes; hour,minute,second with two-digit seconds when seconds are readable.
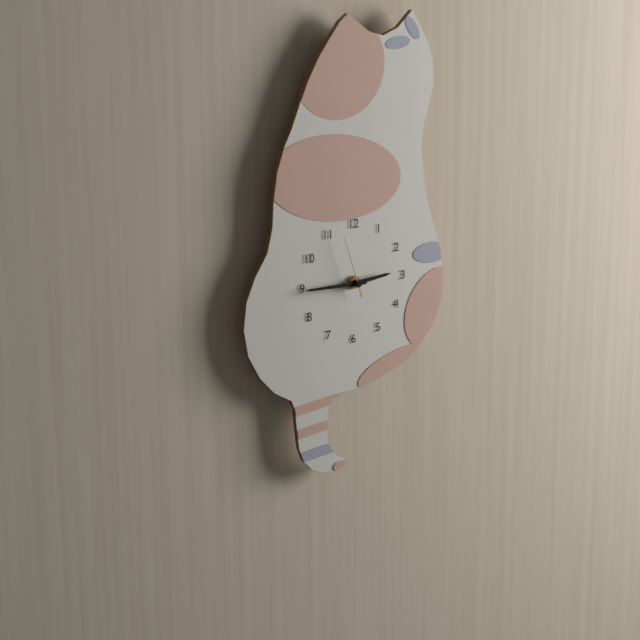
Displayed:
2,45,57
